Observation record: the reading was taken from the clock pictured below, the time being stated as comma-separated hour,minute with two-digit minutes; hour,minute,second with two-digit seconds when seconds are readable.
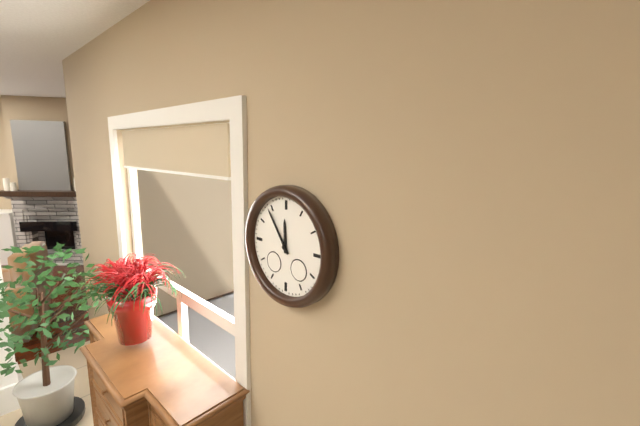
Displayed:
11,54
